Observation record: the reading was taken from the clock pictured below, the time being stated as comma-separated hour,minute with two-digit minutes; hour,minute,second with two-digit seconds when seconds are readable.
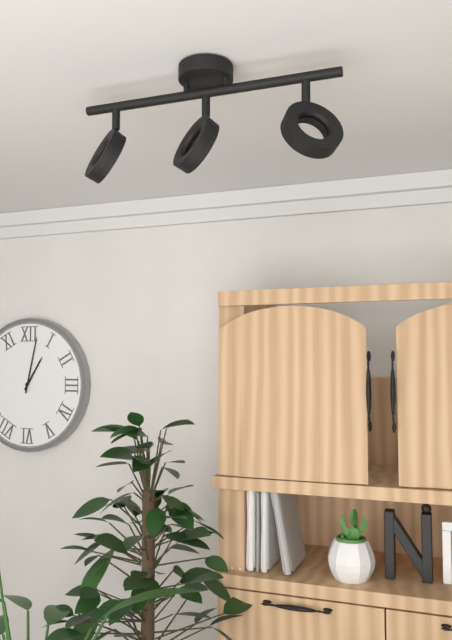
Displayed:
1,02
